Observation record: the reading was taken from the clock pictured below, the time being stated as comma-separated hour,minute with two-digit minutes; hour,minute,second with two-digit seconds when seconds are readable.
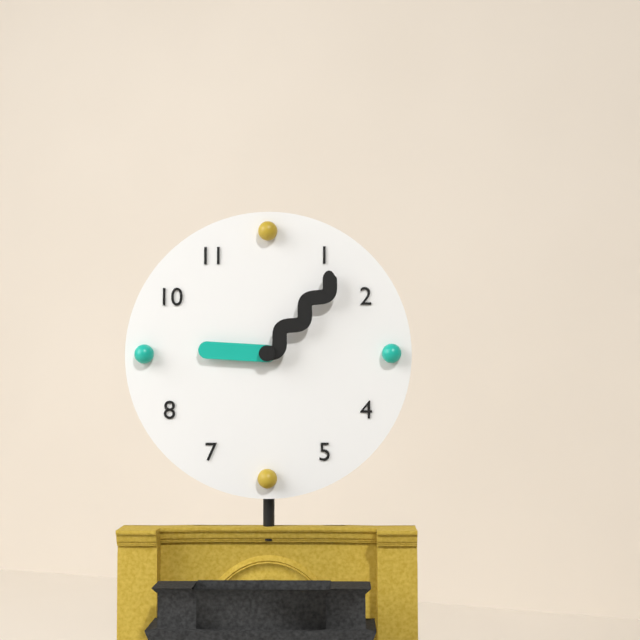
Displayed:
9,07
